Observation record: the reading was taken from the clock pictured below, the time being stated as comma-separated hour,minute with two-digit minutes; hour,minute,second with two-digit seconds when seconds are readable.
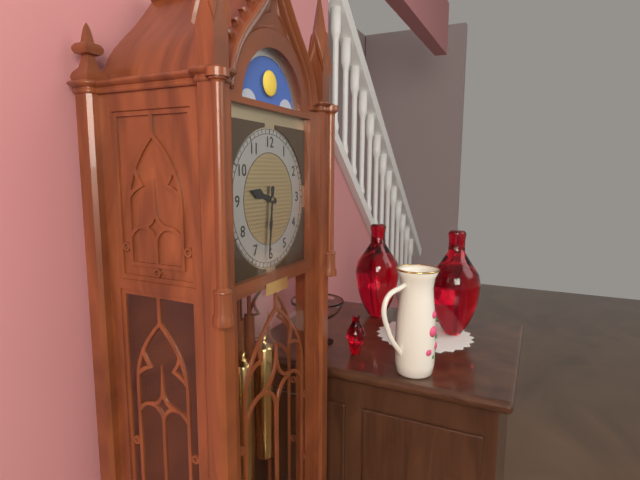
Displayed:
9,31
